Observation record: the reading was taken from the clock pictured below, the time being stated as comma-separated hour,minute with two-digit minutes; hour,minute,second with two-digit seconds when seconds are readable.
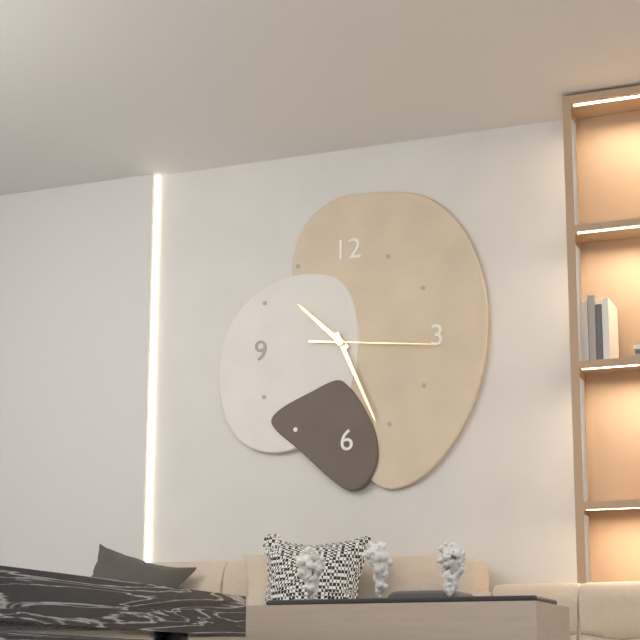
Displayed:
10,26,16
